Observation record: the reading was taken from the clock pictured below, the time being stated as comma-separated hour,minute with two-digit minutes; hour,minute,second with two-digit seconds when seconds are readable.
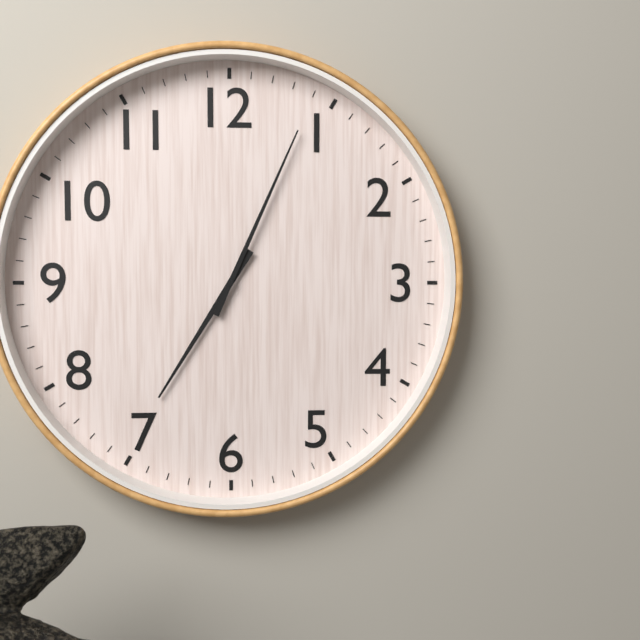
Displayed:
7,04
